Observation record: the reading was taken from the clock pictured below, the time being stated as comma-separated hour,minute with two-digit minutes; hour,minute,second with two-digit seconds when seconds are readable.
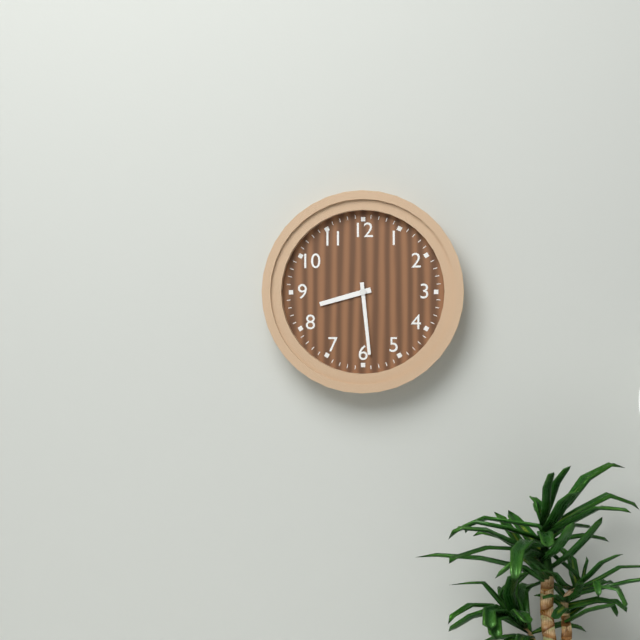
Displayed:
8,29
